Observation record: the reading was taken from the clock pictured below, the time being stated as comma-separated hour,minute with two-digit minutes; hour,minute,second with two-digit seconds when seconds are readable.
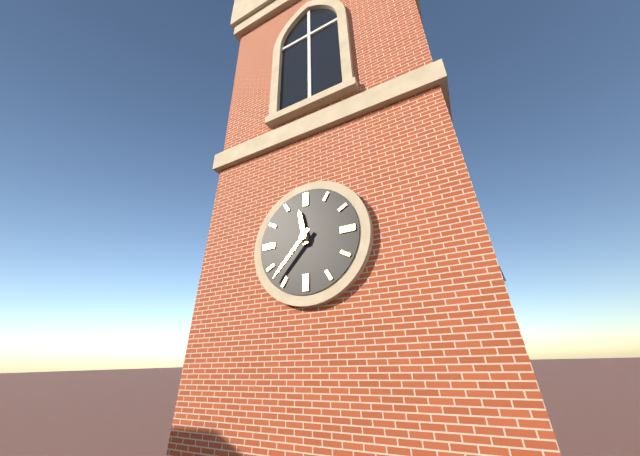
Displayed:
11,37
